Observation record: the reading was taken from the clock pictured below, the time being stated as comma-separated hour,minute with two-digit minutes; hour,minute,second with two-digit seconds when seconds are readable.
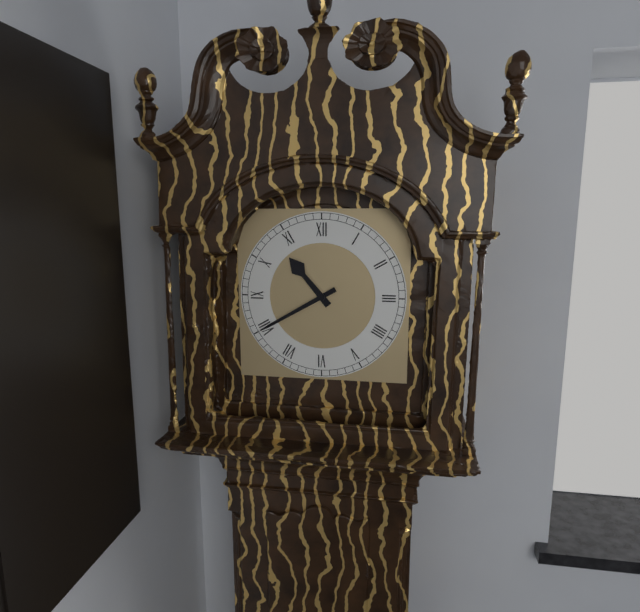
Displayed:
10,40
